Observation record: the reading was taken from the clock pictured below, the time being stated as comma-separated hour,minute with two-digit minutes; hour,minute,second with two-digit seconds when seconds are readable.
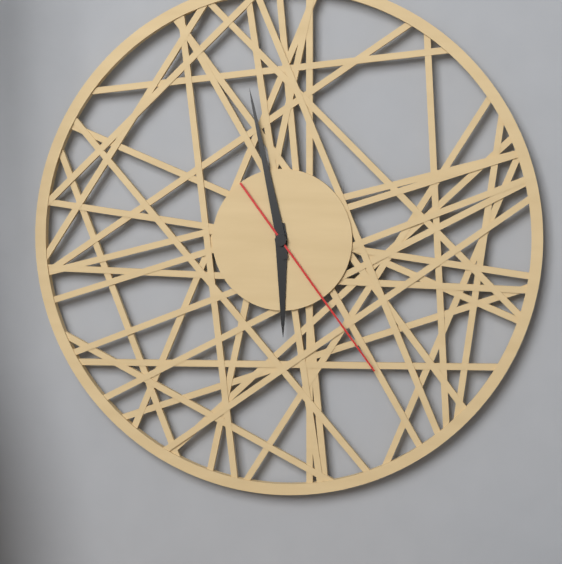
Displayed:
5,58,24
